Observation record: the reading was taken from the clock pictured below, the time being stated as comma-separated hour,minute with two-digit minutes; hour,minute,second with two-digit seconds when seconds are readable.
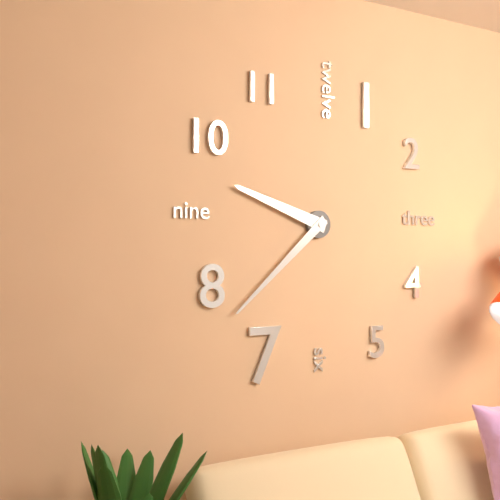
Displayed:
9,38
